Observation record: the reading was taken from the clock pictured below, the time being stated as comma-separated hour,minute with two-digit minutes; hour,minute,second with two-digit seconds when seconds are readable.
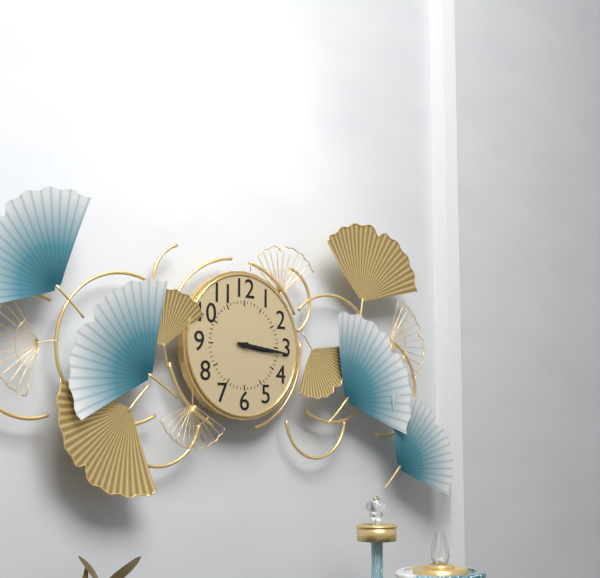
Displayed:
3,16
